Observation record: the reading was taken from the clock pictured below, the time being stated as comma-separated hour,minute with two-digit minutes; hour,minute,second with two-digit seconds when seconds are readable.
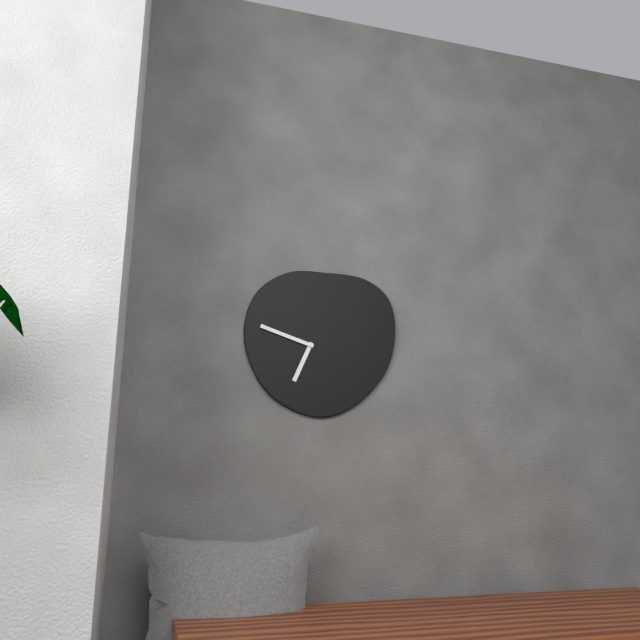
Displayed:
6,48
